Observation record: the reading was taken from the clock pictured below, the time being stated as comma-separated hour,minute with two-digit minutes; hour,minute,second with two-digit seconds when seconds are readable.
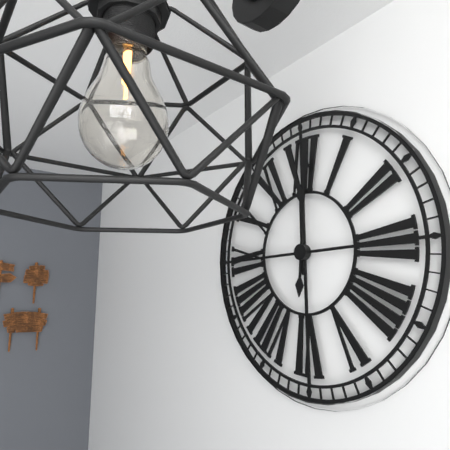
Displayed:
12,01
